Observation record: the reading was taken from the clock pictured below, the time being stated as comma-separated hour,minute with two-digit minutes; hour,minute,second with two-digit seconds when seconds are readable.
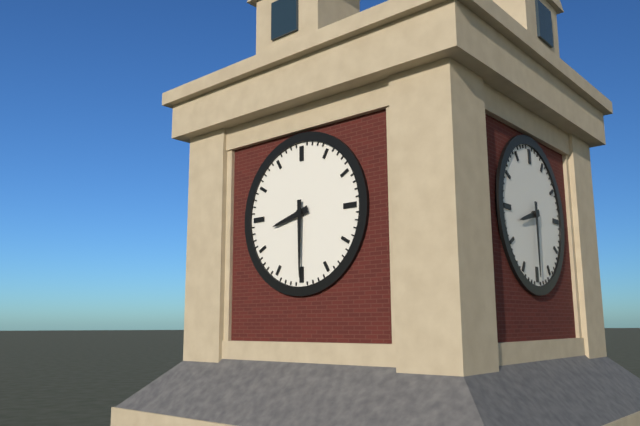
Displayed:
8,30
